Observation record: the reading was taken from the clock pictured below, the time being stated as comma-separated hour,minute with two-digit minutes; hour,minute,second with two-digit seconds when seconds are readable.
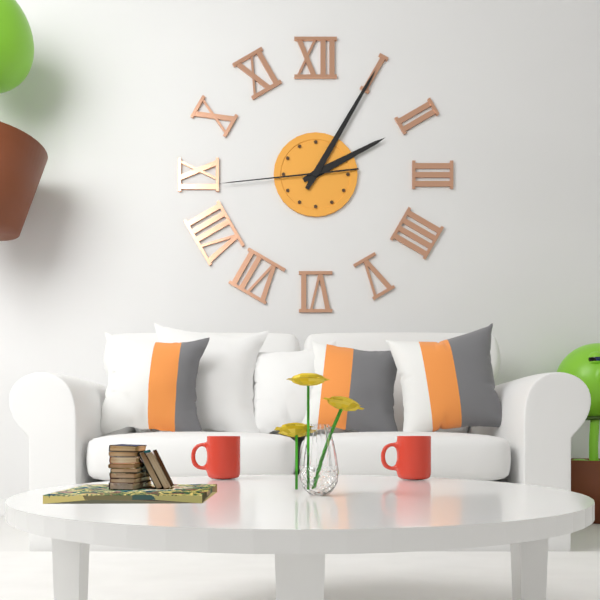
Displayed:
2,05,44
